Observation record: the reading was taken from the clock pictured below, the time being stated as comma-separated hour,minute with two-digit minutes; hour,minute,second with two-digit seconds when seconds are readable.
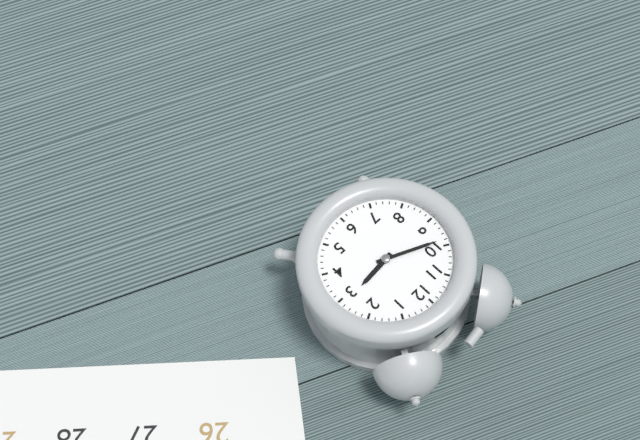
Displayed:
2,49
